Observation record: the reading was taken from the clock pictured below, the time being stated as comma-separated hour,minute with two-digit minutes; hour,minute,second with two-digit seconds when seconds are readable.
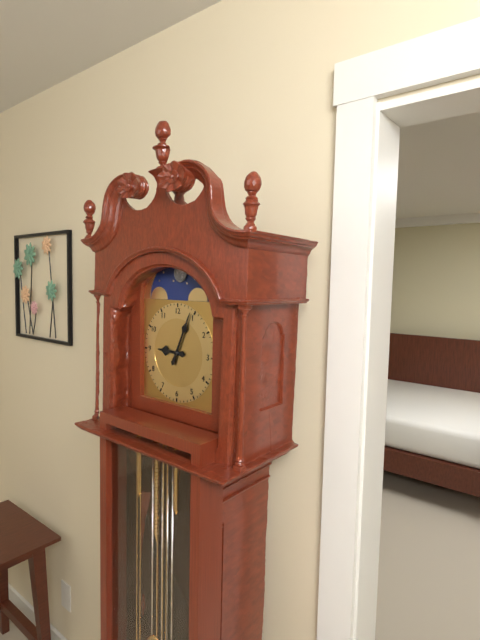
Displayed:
9,04
